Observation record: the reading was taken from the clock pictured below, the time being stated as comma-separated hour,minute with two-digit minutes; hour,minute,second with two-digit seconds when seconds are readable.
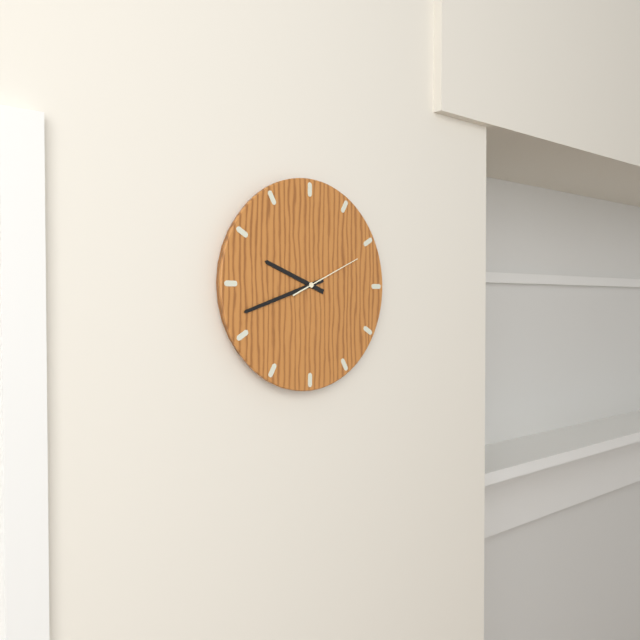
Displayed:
9,42,11
